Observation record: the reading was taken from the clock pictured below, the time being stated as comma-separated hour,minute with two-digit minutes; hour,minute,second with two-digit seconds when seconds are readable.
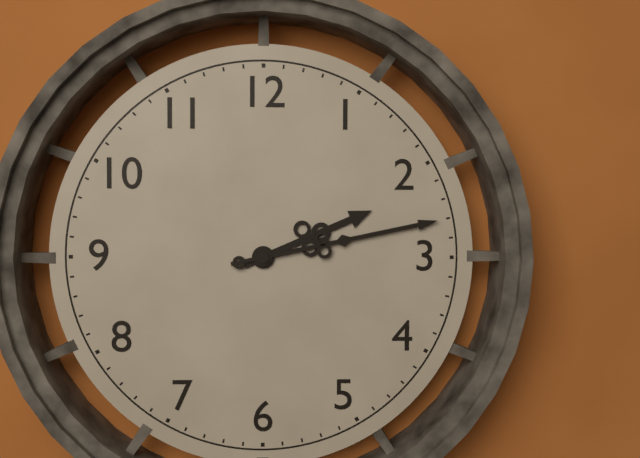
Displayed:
2,13
